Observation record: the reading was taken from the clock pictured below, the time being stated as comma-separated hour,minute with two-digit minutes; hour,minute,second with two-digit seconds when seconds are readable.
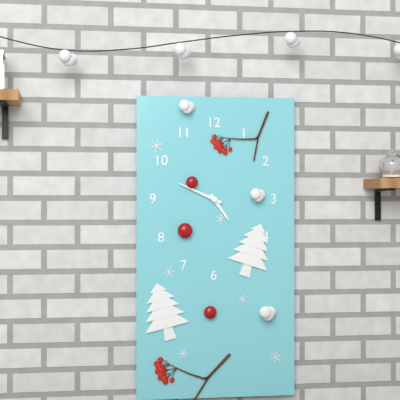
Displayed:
4,49
